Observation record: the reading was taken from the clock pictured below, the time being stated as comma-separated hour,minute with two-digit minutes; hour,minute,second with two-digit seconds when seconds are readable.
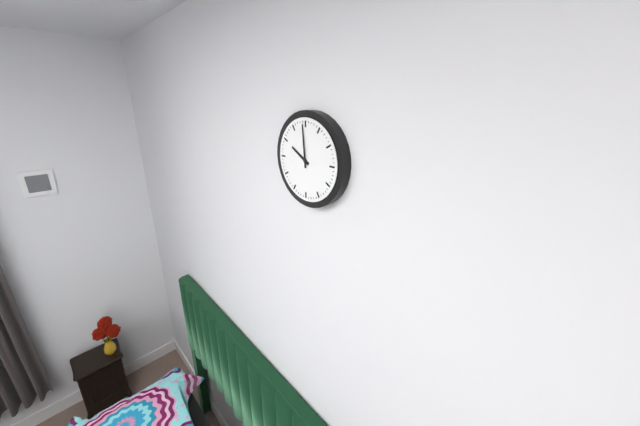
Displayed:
9,59
